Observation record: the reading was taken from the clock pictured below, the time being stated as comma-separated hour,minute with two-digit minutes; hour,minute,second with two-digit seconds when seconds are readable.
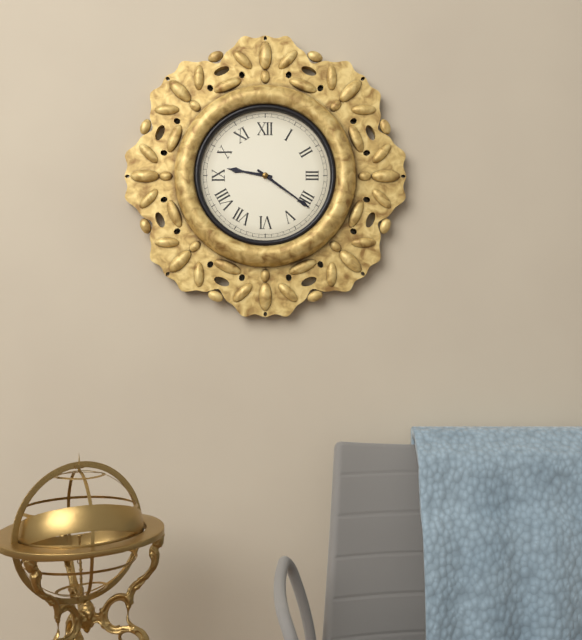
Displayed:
9,21
